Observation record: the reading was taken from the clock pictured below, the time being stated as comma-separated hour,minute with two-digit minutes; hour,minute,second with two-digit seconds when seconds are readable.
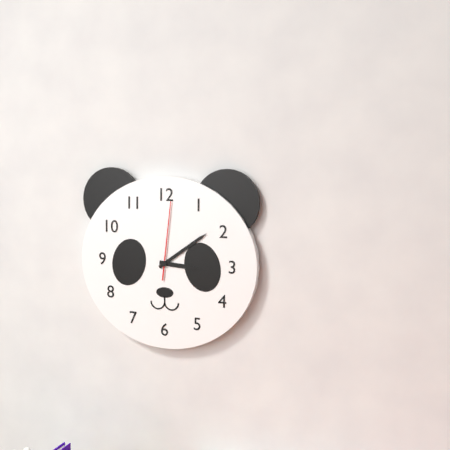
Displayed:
3,09,01
